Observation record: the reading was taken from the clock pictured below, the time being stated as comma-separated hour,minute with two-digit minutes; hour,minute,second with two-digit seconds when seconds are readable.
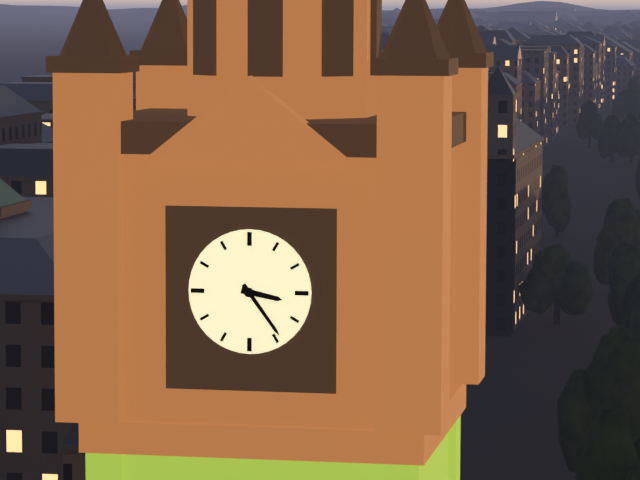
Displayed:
3,24
